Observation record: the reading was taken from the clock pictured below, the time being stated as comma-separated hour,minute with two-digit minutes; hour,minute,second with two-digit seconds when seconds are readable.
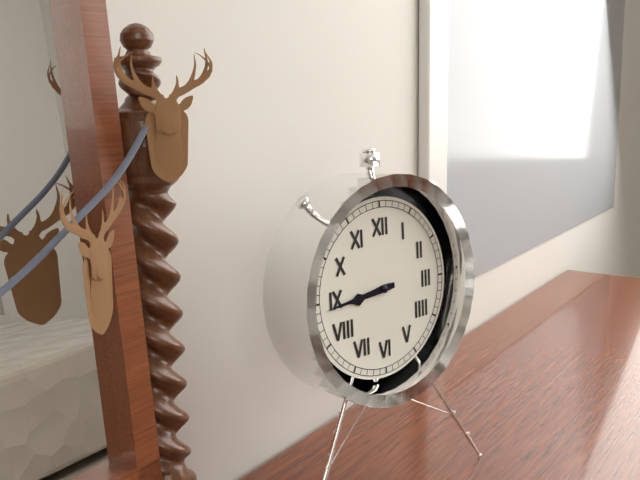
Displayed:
8,44
